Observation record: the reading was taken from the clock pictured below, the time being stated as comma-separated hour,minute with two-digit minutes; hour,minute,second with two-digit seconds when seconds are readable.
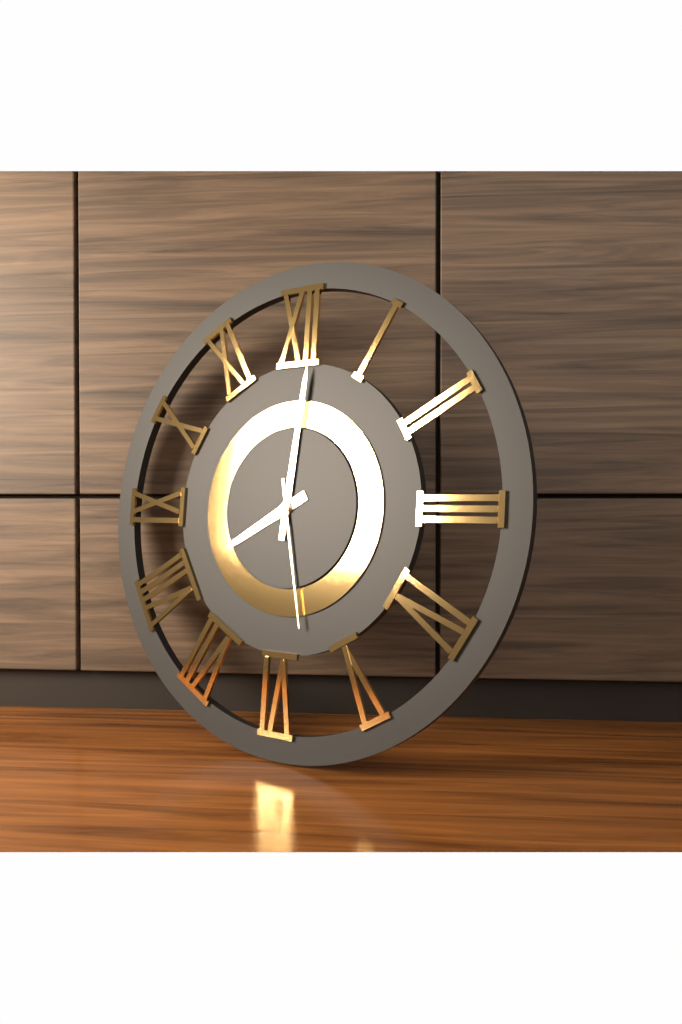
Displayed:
8,01,28
